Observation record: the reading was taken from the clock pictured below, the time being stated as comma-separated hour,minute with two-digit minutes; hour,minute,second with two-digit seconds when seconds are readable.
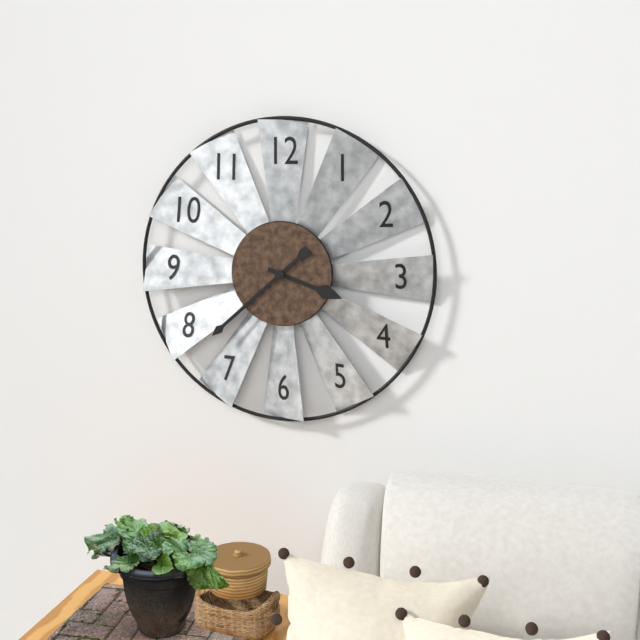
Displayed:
3,38
